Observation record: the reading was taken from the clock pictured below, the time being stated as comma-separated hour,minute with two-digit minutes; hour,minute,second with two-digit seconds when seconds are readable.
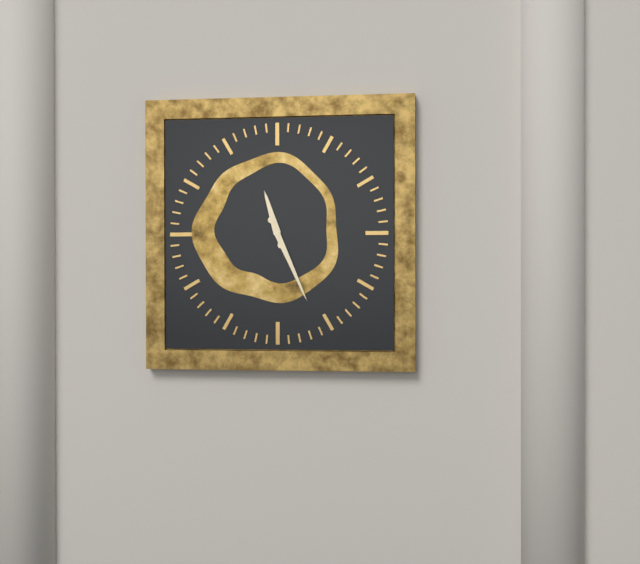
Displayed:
11,26
